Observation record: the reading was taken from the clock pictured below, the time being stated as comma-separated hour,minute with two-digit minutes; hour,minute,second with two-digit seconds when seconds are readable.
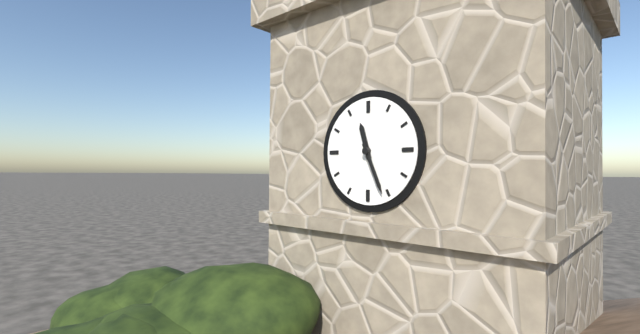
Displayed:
11,26
